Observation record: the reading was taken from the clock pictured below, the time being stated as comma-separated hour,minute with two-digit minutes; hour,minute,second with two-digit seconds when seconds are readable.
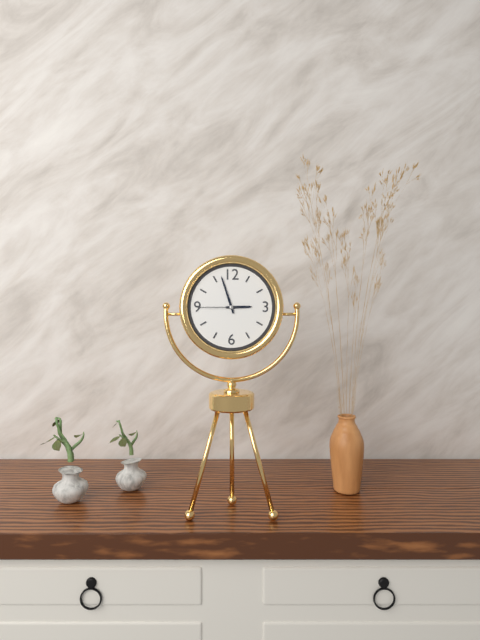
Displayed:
2,57
